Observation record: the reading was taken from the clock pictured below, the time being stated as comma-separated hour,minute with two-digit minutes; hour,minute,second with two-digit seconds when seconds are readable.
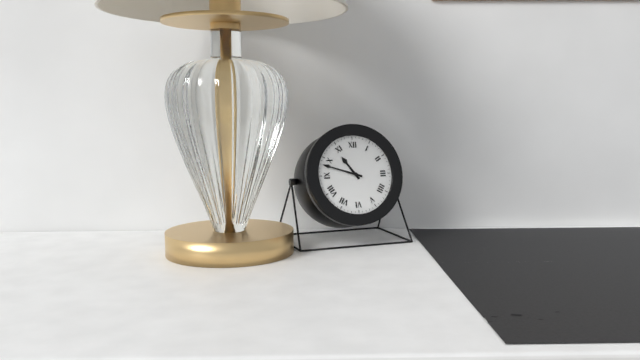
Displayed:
10,48
